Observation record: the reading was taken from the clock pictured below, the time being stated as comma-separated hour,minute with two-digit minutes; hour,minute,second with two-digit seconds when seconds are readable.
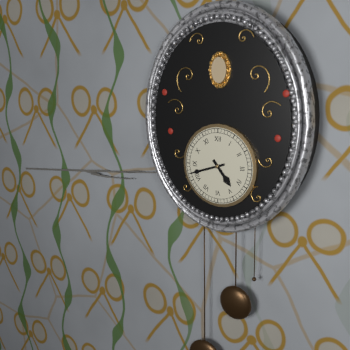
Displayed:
4,42
